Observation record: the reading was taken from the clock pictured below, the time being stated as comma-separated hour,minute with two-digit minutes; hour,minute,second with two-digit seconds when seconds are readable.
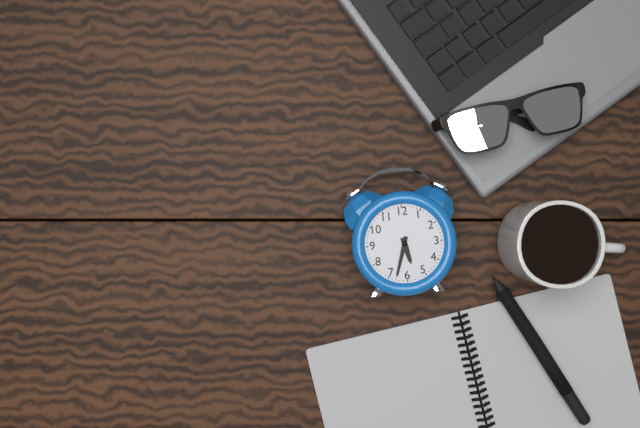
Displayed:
5,33
